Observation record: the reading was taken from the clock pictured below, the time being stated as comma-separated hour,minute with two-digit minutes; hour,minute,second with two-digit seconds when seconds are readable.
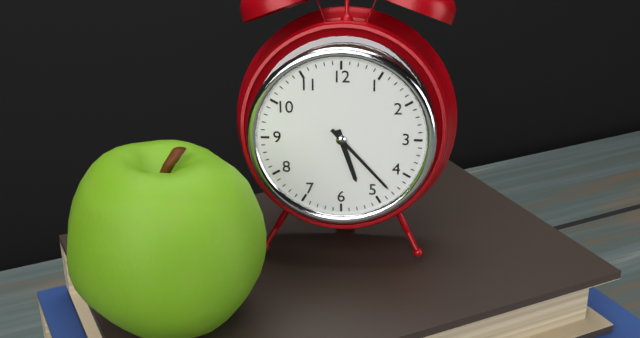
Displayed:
5,23
